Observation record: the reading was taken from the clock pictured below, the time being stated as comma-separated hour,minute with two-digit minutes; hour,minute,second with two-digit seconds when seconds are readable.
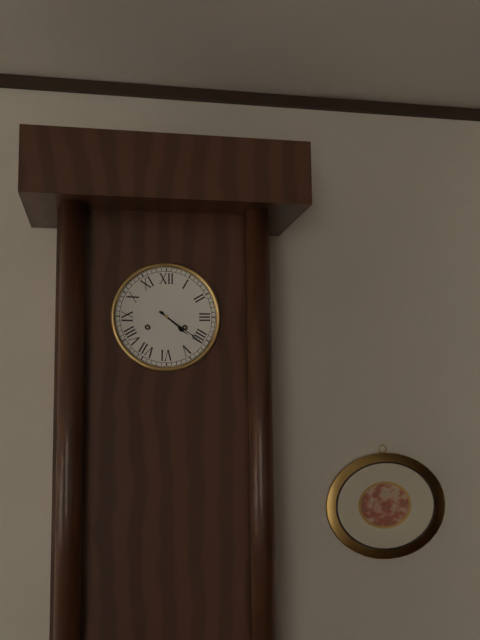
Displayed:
4,21
